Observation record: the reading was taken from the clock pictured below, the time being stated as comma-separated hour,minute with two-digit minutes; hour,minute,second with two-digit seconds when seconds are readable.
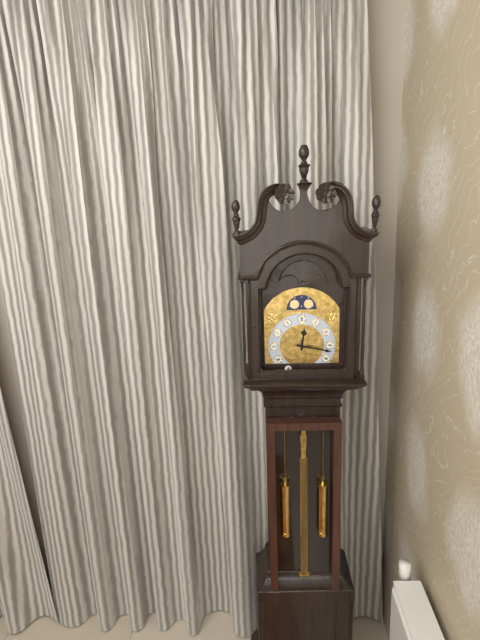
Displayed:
12,17
